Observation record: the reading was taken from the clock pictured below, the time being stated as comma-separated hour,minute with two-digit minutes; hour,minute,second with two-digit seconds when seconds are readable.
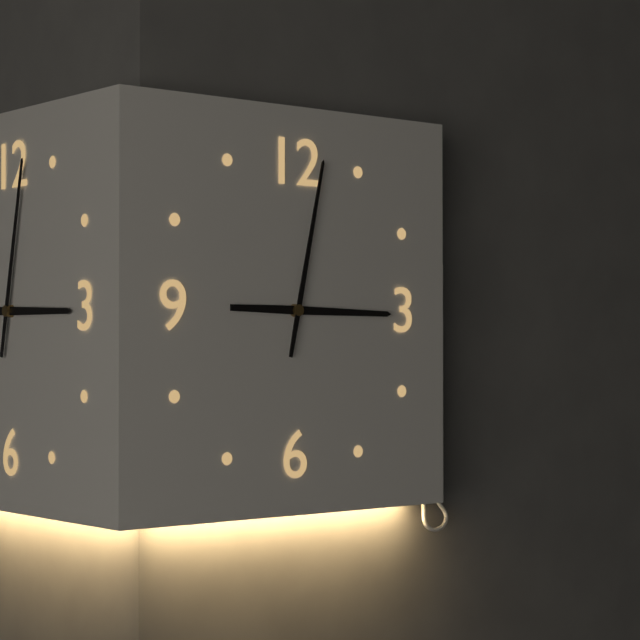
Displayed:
3,02
